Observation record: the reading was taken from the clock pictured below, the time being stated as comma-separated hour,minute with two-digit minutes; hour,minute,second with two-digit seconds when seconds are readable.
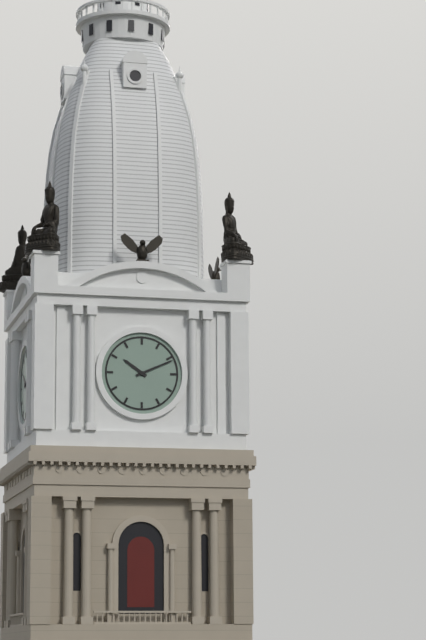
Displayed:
10,11
